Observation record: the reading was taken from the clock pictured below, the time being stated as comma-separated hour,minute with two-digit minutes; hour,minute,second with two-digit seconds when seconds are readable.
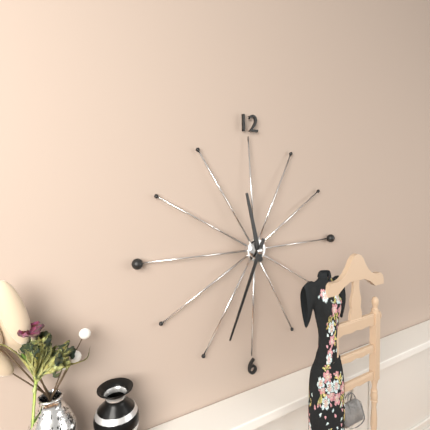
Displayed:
11,34
